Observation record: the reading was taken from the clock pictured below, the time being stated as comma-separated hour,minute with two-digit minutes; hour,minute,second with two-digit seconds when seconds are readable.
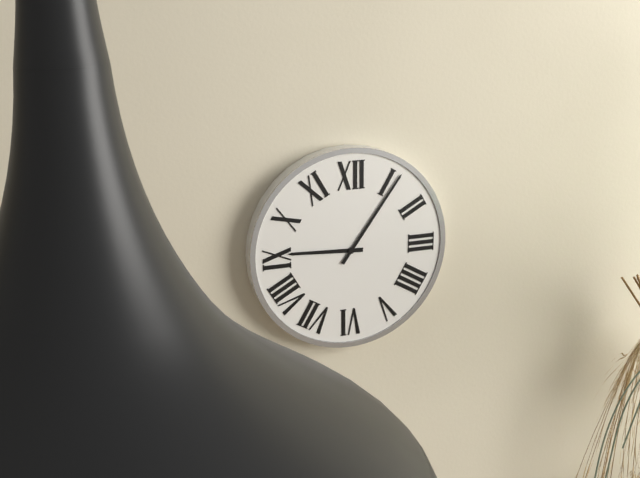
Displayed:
9,06
